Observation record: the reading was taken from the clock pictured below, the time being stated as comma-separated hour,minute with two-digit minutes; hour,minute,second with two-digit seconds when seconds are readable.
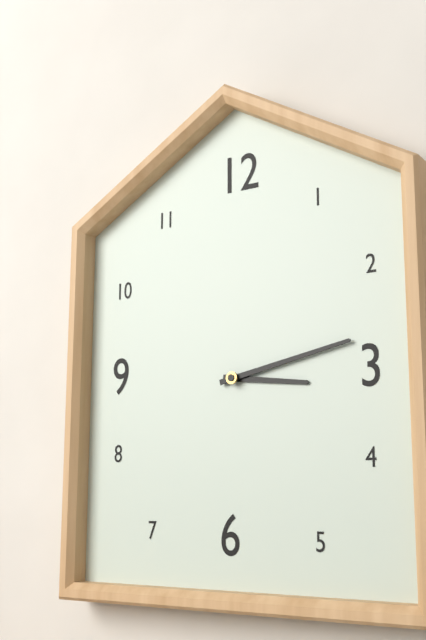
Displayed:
3,13
